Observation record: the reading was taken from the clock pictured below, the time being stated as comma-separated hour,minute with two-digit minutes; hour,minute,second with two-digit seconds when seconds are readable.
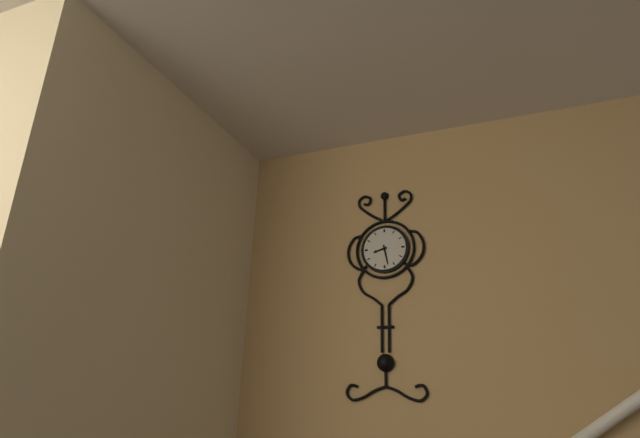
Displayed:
8,28
